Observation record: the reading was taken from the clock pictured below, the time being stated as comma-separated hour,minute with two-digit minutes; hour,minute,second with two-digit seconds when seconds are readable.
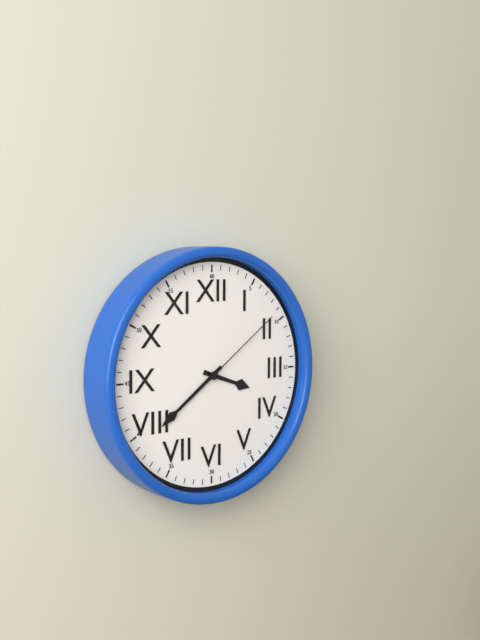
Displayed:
3,39,09
